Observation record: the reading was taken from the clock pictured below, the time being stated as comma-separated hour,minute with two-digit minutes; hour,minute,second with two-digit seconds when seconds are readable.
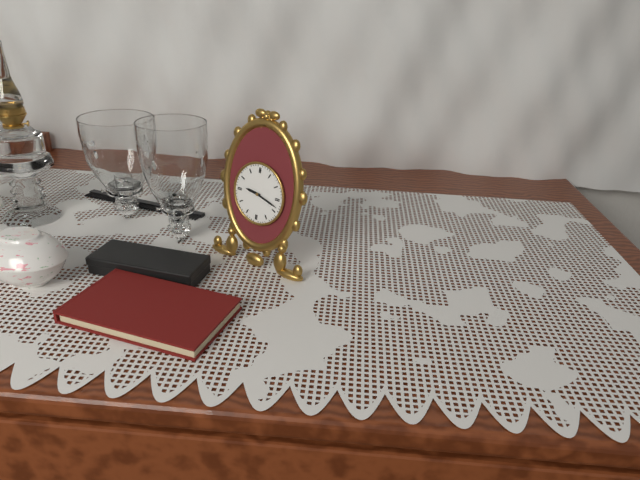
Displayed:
9,18
